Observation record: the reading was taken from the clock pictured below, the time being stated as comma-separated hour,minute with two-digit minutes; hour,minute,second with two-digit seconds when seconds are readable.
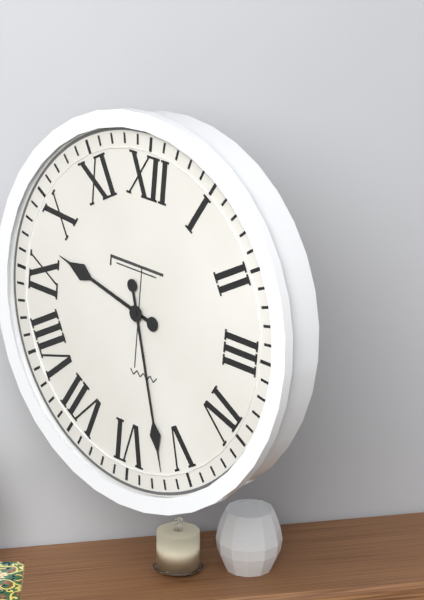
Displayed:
9,27
